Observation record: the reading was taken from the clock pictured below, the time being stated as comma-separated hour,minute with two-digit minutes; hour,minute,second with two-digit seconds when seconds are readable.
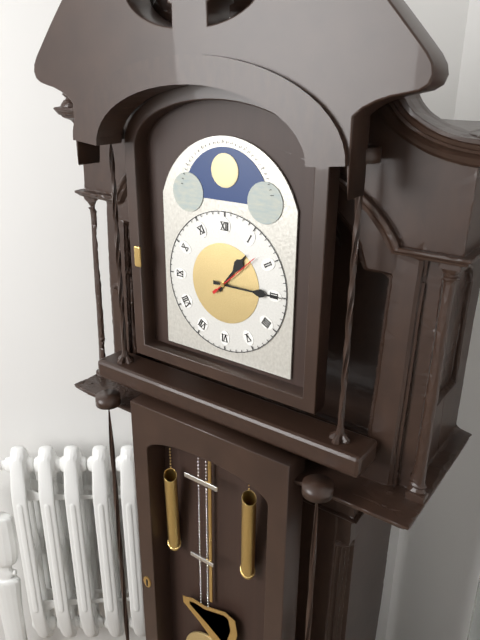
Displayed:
1,15,08
